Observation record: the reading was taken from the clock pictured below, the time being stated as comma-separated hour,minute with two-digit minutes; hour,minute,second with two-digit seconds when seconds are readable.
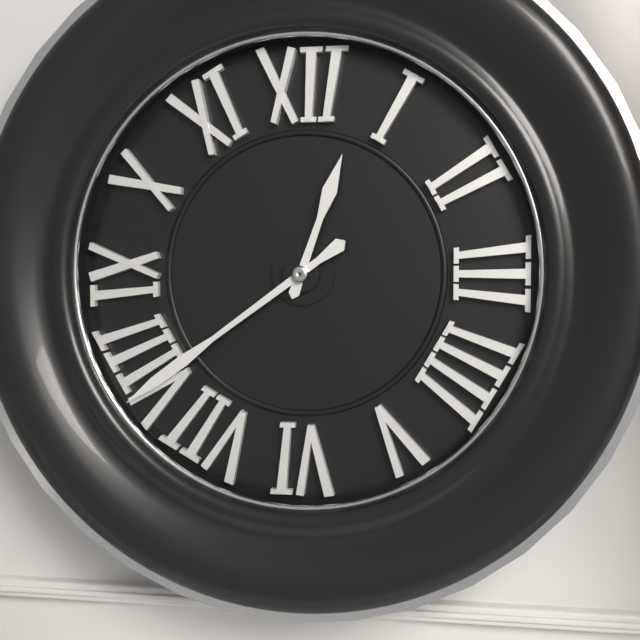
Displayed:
12,39
